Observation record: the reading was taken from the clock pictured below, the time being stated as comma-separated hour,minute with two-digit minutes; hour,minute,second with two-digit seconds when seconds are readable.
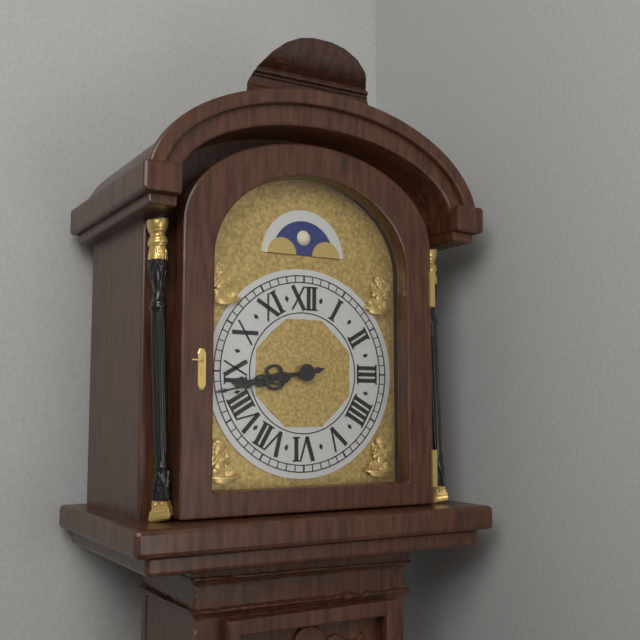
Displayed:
8,43
